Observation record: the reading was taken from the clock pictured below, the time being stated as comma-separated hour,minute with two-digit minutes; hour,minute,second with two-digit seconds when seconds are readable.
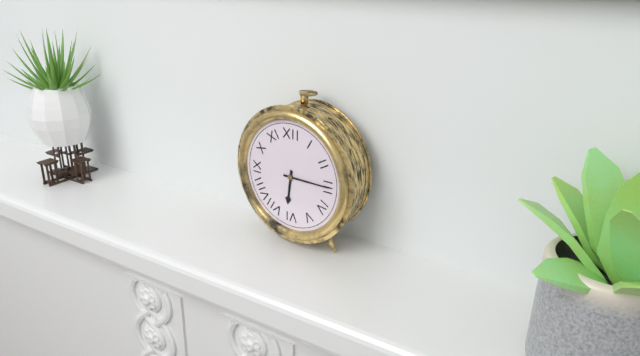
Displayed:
6,15
